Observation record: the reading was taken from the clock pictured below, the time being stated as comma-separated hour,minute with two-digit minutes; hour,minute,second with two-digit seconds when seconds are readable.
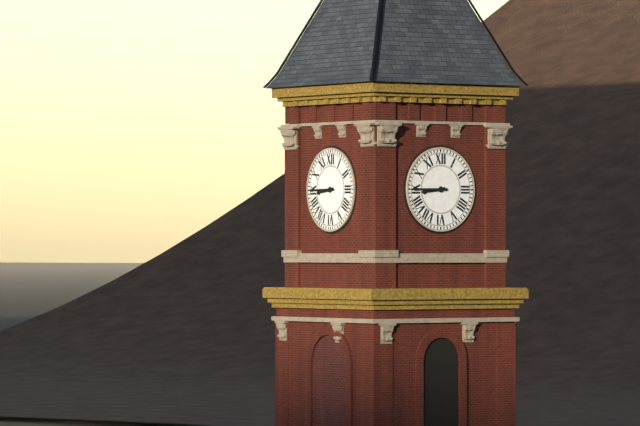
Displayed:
8,45
